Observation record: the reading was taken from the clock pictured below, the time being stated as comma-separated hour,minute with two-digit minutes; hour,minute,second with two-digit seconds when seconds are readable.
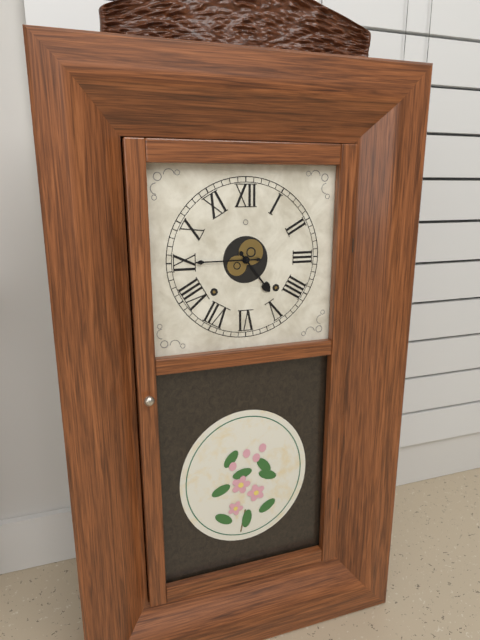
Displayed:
4,45
